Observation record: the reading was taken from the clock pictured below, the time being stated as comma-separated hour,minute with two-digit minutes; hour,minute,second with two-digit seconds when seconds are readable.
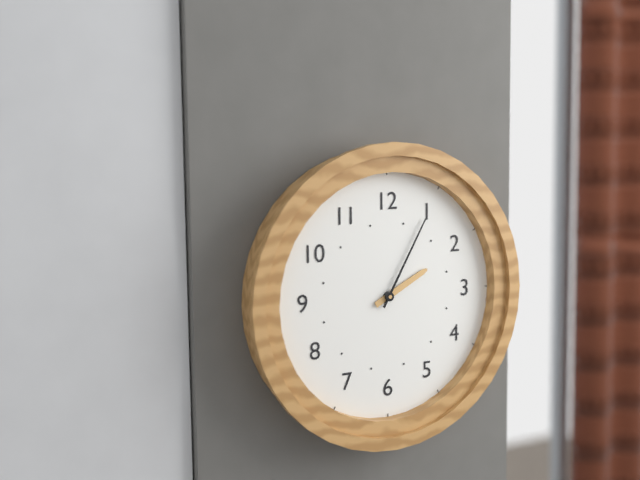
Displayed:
2,05
